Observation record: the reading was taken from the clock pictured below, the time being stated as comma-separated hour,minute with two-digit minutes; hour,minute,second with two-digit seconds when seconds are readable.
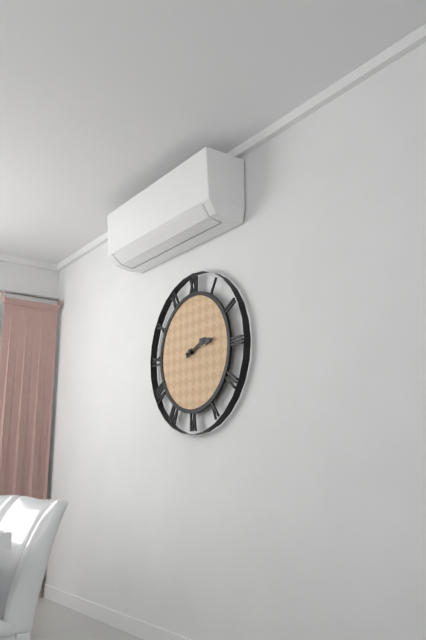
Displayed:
2,13
